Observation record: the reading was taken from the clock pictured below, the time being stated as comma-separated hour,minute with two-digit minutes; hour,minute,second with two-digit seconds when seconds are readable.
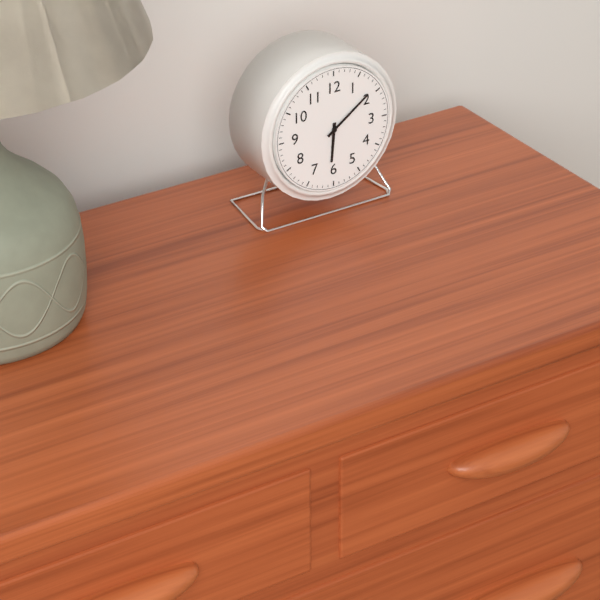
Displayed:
6,09
